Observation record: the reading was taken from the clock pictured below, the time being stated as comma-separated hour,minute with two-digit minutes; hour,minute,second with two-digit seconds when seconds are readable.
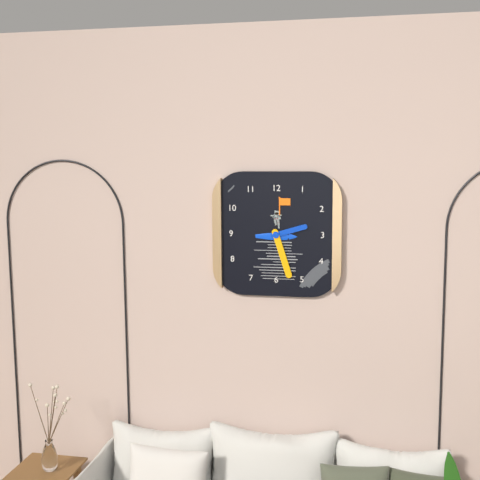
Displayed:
2,27
